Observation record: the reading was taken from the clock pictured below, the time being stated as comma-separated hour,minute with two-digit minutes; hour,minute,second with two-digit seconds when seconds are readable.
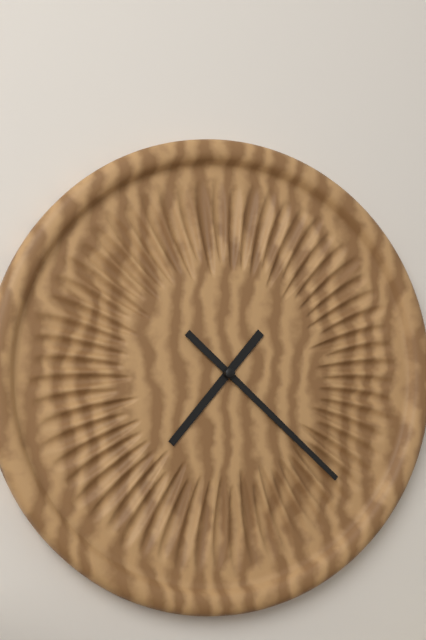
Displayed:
7,22
